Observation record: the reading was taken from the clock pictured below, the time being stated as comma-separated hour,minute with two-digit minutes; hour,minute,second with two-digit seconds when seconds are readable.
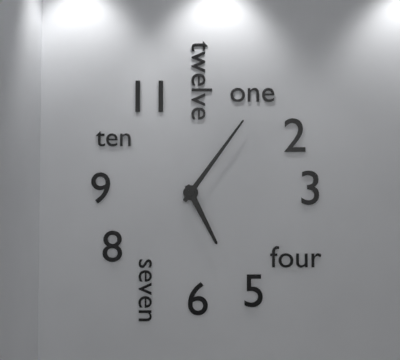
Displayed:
5,06
